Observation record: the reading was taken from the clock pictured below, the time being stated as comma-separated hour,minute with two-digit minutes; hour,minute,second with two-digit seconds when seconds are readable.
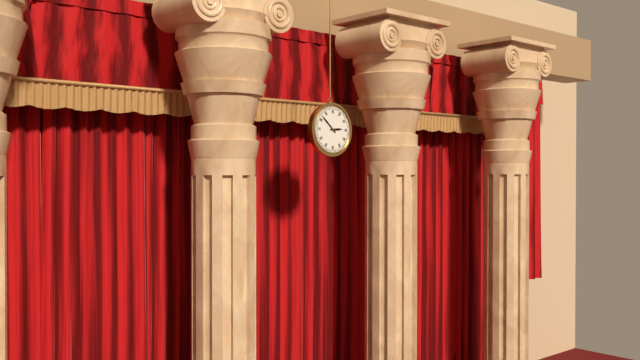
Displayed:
2,52
